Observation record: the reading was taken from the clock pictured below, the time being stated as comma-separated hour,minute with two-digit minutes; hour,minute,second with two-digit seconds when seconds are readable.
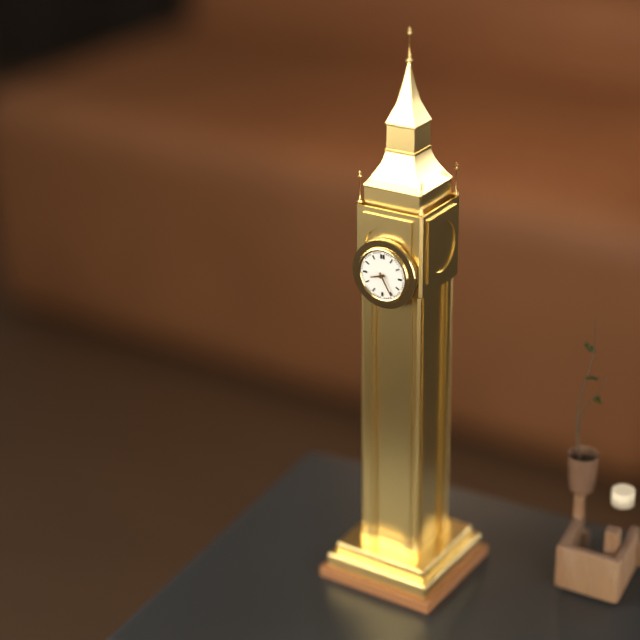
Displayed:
8,25
